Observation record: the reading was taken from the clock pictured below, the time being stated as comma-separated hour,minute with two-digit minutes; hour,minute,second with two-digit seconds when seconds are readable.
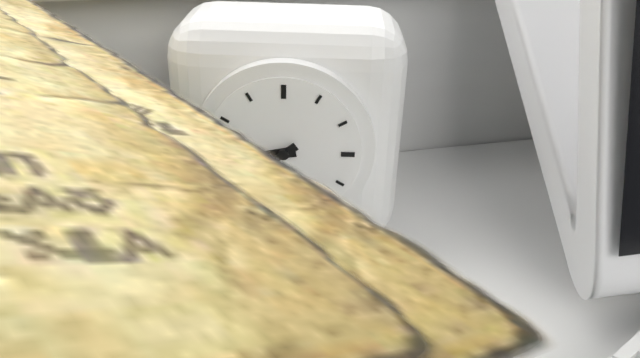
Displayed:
8,39
